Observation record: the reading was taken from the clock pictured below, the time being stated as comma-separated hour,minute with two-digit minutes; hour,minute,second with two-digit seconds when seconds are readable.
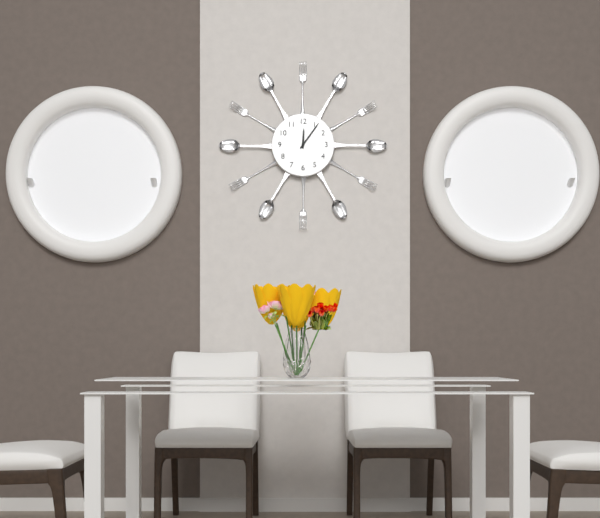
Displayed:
12,06
